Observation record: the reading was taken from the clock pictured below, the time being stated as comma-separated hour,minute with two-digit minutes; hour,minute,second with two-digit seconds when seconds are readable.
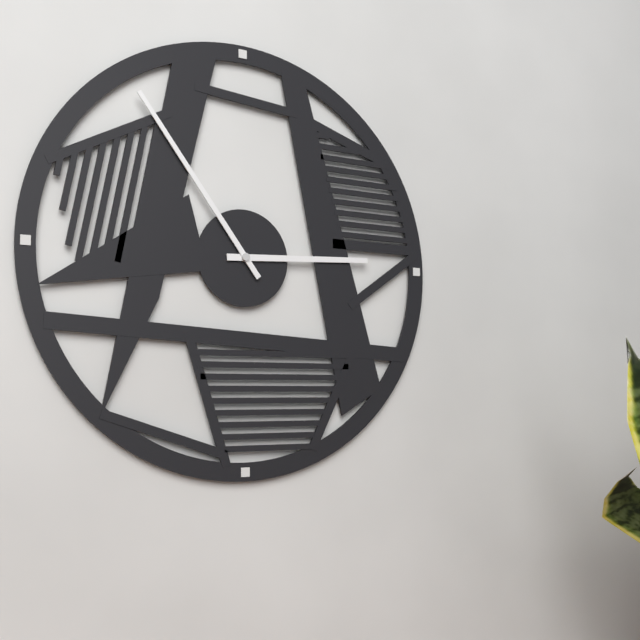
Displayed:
2,54
